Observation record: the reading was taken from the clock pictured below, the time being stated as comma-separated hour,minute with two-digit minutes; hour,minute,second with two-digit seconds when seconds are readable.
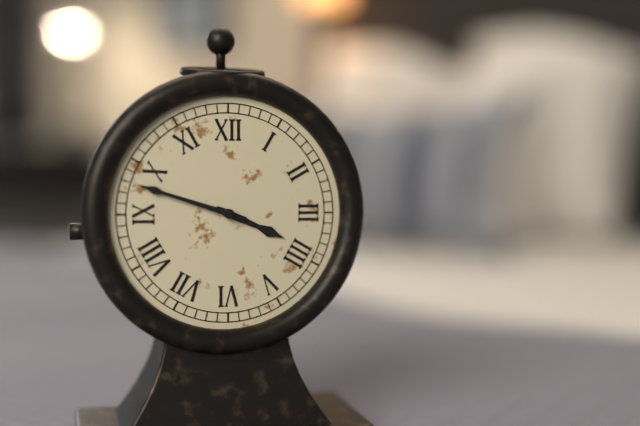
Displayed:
3,48
